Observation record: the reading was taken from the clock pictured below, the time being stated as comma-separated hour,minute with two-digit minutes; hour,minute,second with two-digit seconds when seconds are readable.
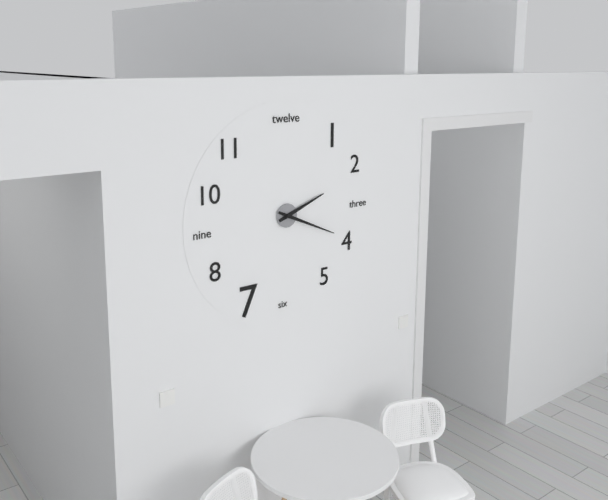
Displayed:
2,19
